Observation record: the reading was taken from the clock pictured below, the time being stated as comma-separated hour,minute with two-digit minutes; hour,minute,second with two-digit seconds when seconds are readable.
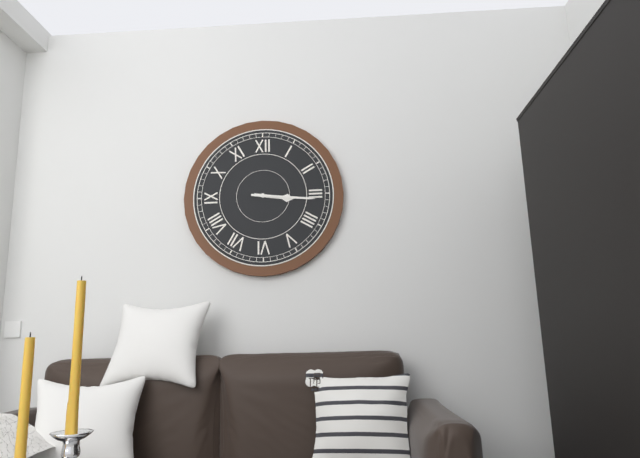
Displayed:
3,16
